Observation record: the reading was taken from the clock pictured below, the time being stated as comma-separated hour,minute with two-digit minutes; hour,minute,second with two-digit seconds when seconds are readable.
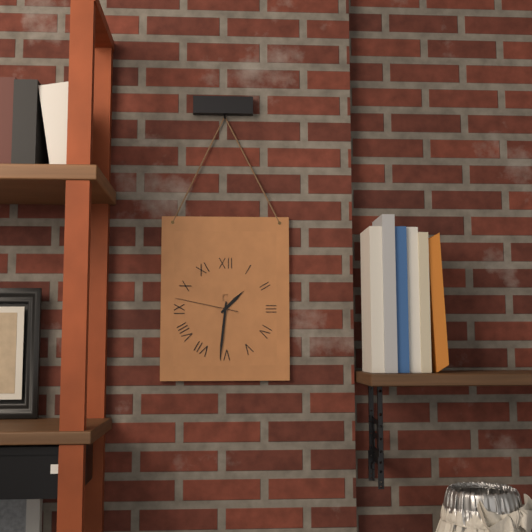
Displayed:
1,31,47
